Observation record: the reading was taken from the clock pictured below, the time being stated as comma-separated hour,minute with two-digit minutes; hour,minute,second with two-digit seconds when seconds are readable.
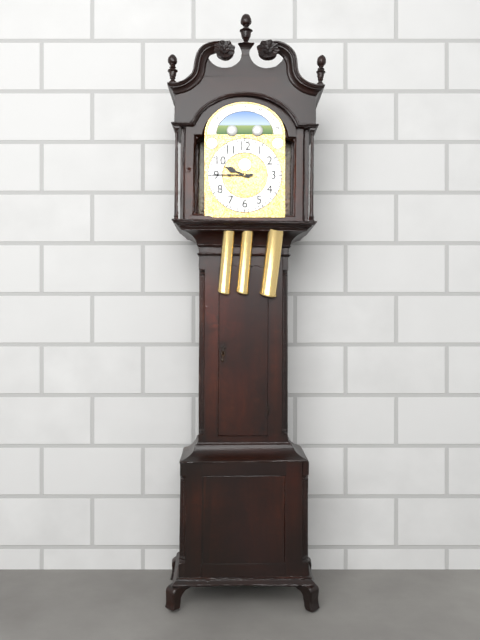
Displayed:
9,45
